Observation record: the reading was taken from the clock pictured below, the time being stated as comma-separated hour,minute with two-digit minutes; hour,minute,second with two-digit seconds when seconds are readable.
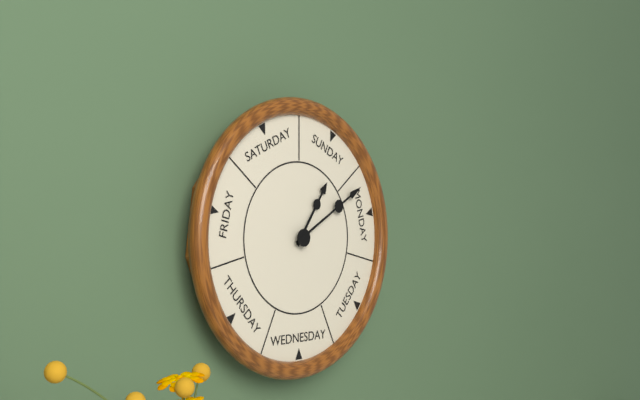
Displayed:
1,10
